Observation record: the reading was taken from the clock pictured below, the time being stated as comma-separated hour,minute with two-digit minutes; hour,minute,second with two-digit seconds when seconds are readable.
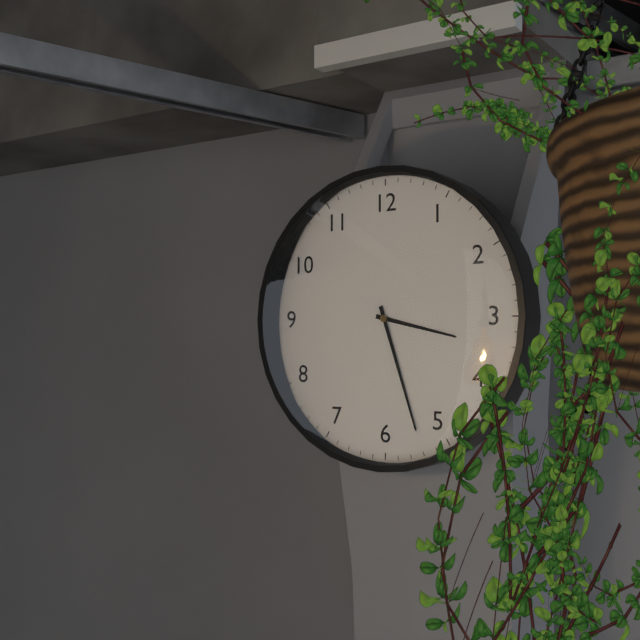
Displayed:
3,27
